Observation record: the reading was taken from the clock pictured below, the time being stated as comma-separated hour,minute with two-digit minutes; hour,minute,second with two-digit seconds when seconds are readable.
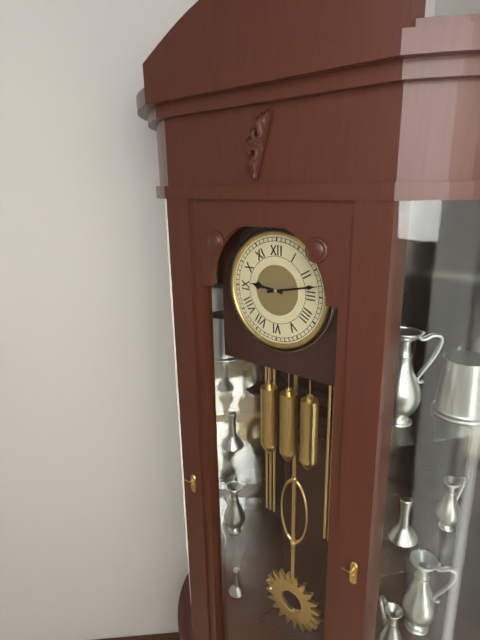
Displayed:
9,13
